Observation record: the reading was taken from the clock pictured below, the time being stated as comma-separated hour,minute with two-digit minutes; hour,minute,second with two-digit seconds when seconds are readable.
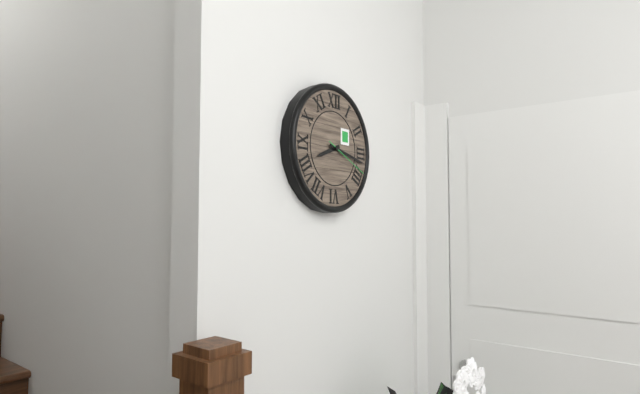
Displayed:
8,17,19
